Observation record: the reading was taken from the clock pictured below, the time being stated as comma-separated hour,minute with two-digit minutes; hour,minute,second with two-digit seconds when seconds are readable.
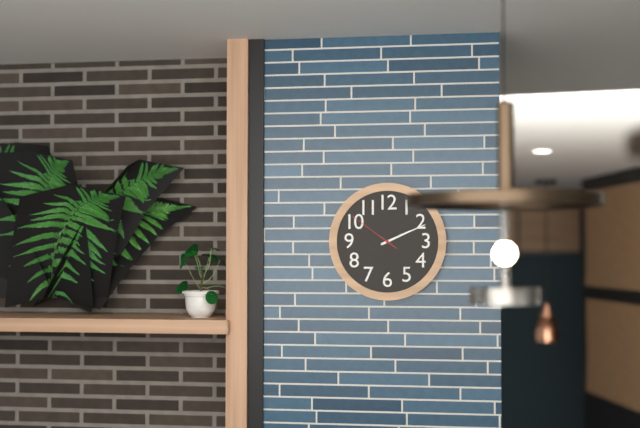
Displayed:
2,11,51
